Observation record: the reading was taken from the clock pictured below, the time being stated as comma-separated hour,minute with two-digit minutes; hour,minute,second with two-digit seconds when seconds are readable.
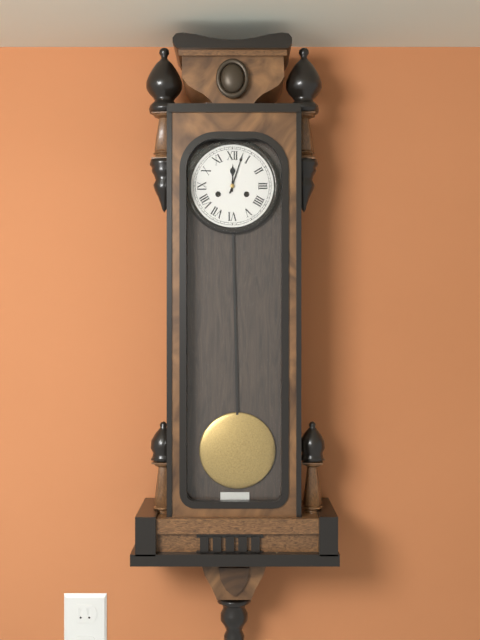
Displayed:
12,03
